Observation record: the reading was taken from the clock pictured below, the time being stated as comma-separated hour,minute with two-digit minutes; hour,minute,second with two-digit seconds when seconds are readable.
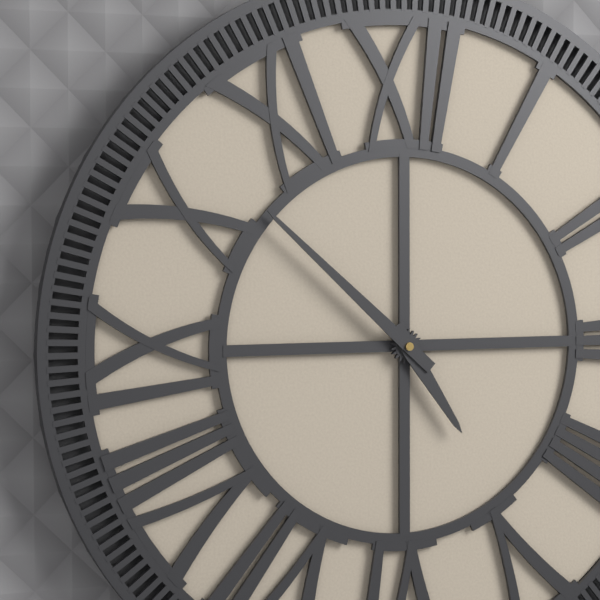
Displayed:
4,52
